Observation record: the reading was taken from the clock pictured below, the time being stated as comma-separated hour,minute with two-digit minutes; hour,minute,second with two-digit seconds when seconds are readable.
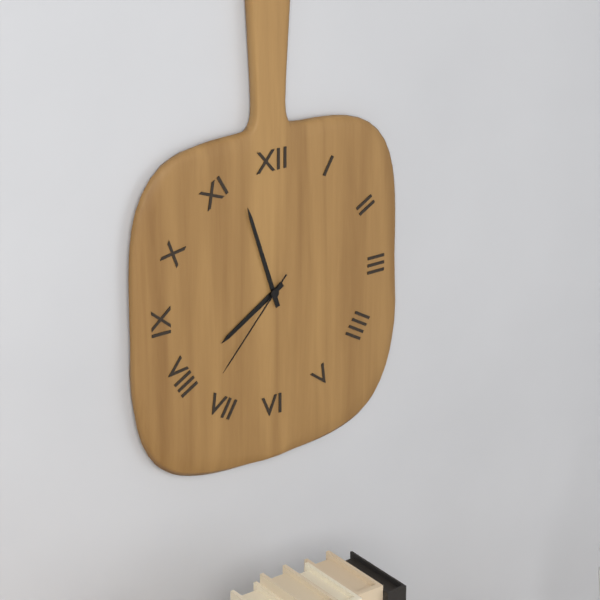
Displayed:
7,57,37
